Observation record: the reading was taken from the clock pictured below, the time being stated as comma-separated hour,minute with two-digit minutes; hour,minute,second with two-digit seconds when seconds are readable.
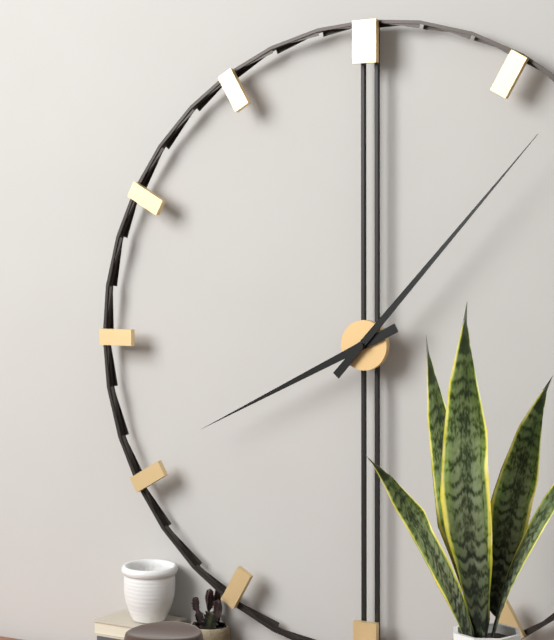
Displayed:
8,07
